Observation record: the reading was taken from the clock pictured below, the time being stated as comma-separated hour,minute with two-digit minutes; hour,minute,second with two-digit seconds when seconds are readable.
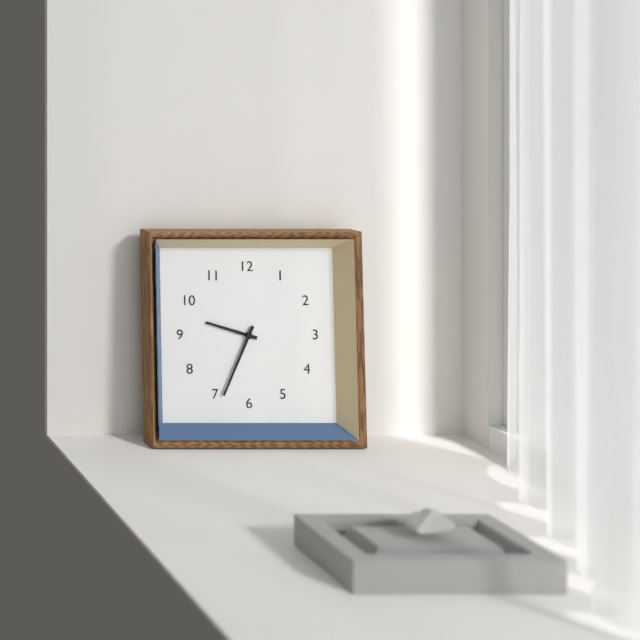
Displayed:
9,34
